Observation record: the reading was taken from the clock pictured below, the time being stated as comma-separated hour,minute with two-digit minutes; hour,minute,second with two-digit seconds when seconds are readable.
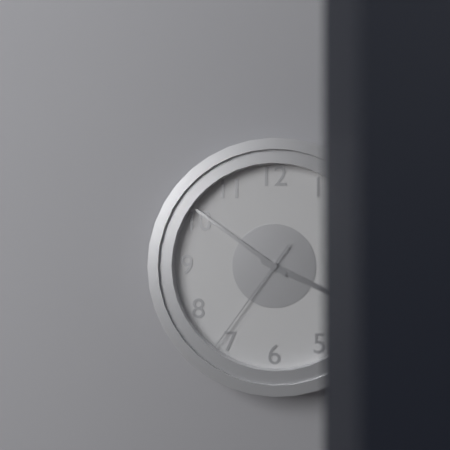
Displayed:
3,51,36
